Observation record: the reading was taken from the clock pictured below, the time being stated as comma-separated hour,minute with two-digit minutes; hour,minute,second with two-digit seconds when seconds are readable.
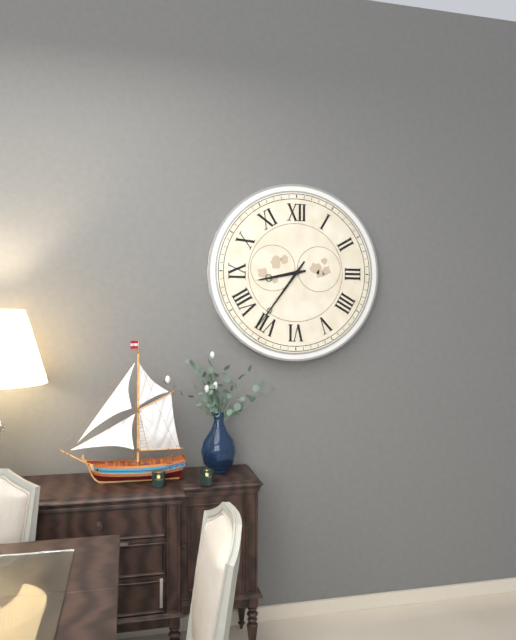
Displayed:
8,36
